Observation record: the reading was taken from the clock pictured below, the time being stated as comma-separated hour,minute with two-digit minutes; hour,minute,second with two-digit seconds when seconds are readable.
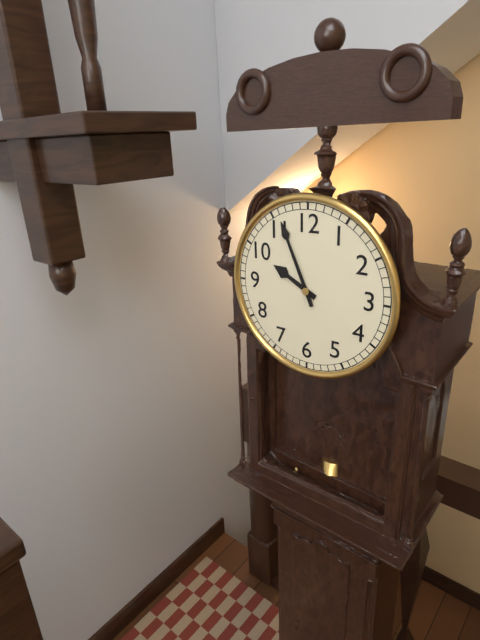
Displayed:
9,56
